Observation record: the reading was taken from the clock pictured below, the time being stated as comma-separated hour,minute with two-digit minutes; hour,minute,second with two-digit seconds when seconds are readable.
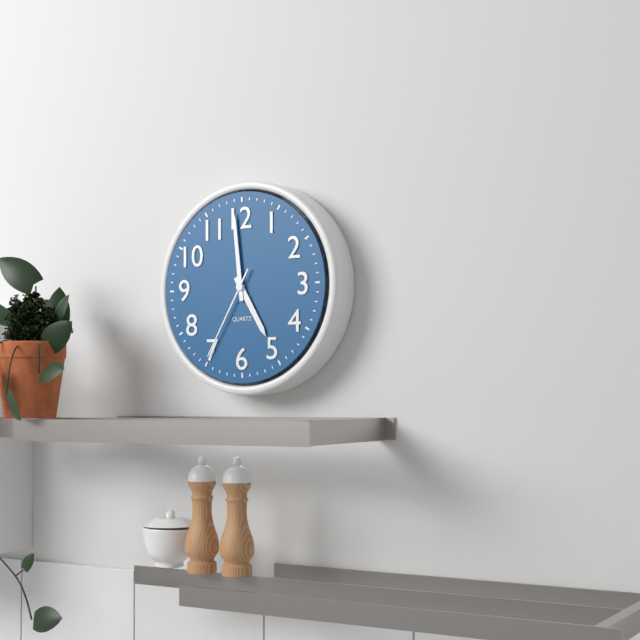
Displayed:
4,59,35
